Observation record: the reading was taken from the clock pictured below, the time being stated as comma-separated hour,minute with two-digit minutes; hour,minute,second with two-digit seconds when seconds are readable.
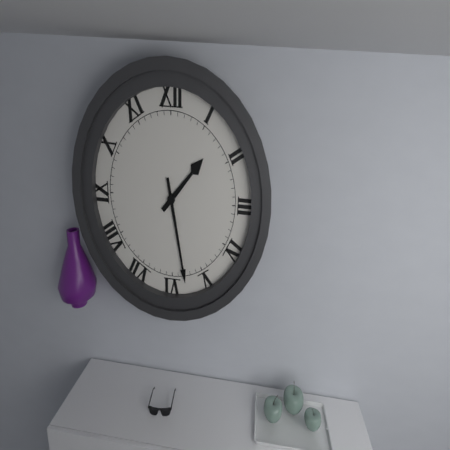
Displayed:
1,28
